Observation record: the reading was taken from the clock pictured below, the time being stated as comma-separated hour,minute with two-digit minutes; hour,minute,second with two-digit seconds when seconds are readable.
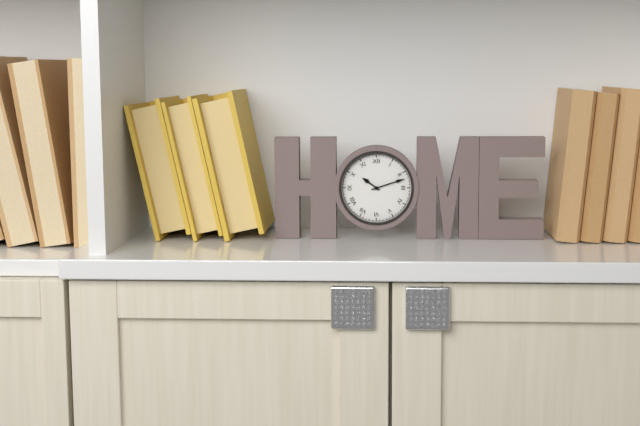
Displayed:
10,12
